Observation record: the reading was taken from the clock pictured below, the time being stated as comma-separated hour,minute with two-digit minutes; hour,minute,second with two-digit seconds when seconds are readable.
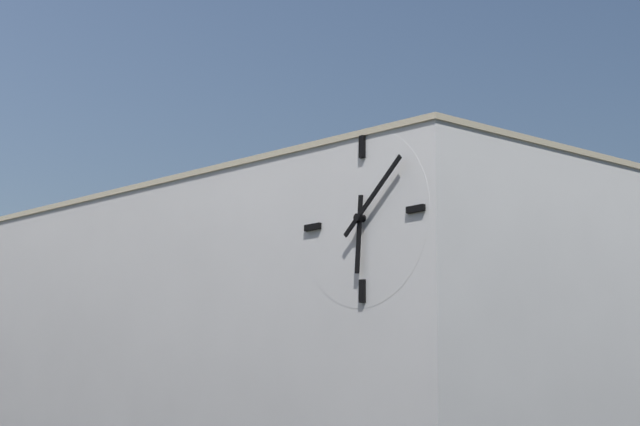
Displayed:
6,08
